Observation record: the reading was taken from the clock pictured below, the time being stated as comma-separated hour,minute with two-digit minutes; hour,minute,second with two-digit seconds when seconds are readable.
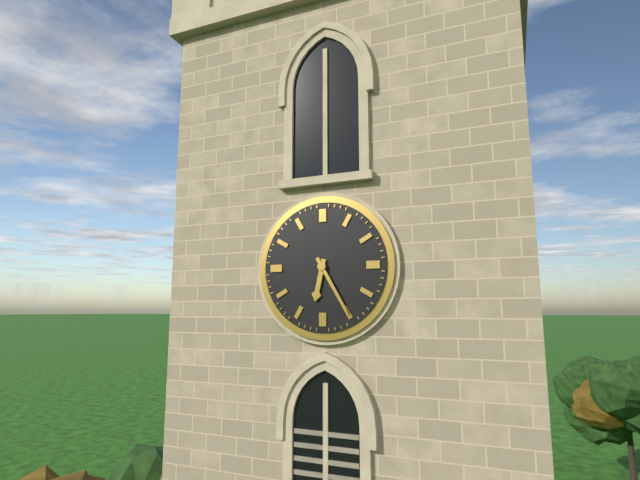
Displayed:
6,25
